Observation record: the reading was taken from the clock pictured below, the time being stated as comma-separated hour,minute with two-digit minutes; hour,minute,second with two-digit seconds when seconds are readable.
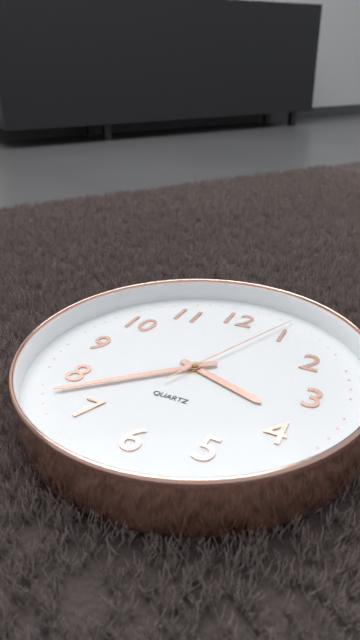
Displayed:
3,38,04
